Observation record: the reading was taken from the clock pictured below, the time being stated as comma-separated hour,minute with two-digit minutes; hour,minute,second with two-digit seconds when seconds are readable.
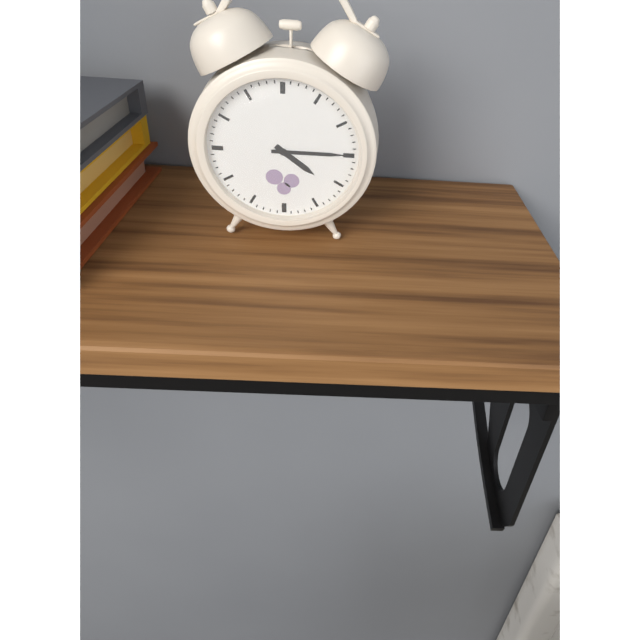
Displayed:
4,15
